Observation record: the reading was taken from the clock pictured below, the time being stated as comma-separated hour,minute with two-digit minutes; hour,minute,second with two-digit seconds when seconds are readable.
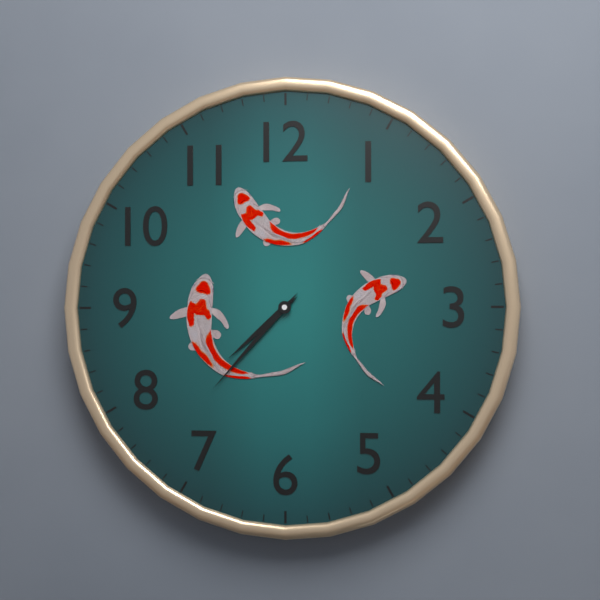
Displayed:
7,37
